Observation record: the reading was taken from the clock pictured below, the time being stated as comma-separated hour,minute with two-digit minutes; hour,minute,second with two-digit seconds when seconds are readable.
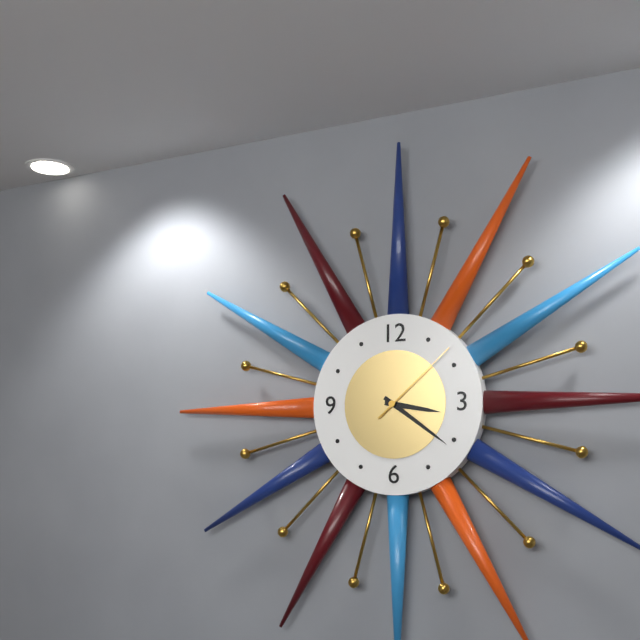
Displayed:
3,21,08
